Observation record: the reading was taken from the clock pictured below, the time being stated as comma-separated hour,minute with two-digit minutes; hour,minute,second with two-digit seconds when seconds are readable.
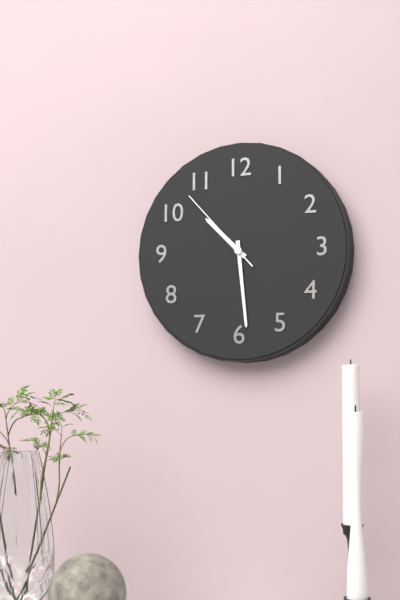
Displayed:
10,29,53
